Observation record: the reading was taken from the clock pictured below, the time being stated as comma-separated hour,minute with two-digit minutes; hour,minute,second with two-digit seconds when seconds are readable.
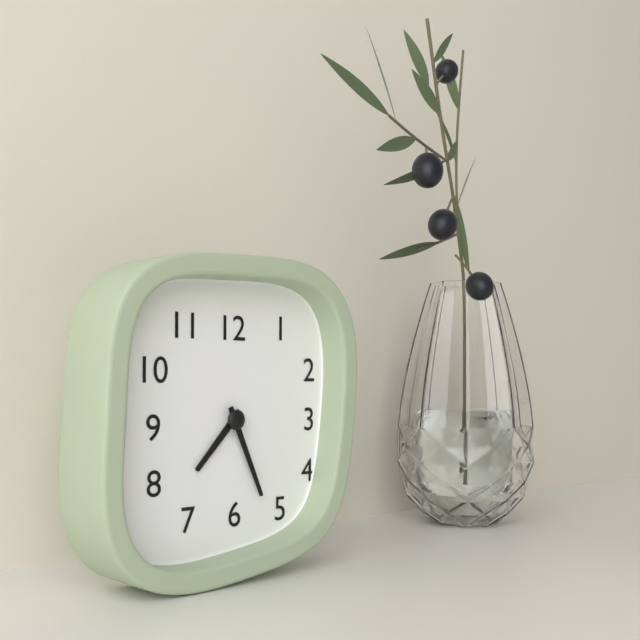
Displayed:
7,26
